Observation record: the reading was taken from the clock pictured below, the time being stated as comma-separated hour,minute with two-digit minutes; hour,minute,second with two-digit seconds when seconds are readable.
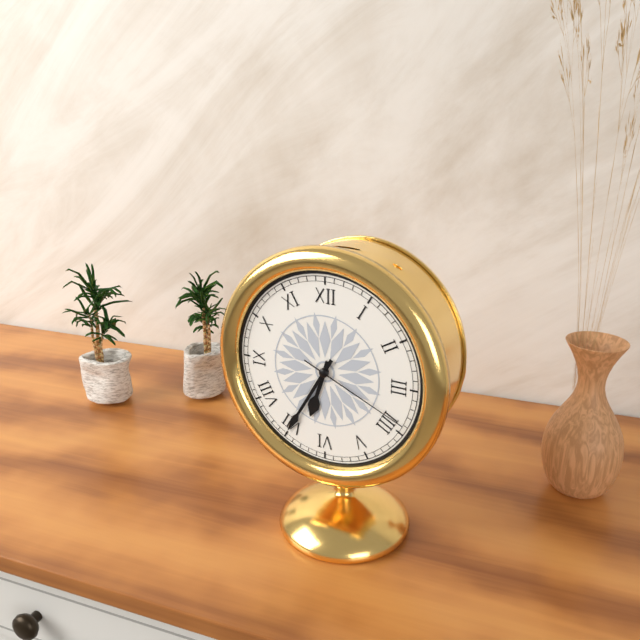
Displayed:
6,35,19
